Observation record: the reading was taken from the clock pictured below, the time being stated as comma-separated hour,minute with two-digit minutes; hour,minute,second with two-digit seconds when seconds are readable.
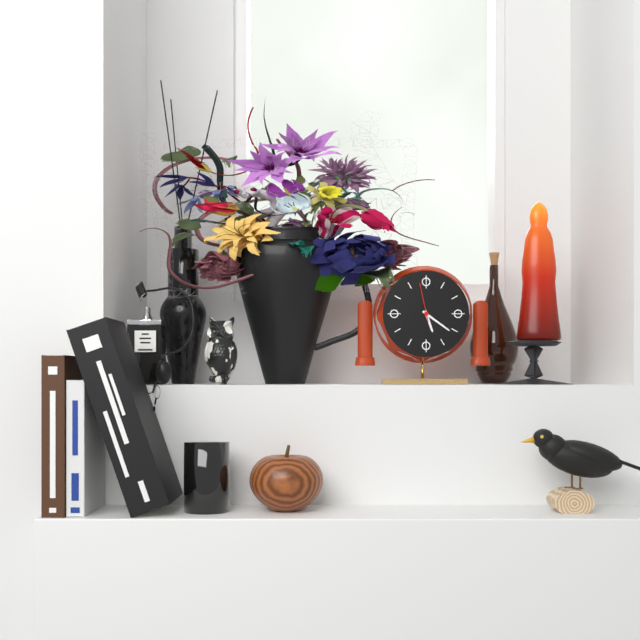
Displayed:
5,21
